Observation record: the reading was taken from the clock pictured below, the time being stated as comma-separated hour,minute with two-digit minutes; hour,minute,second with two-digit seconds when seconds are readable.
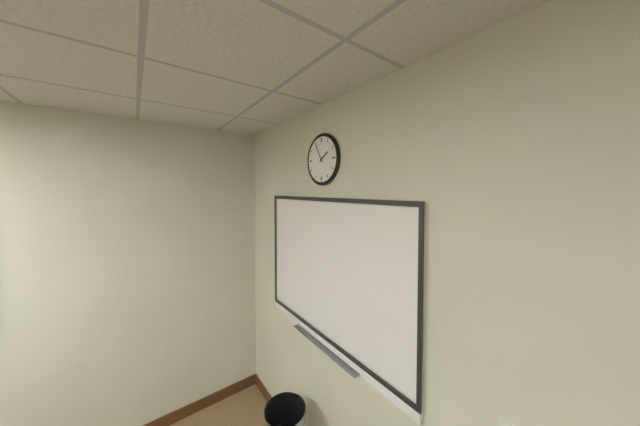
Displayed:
1,55
